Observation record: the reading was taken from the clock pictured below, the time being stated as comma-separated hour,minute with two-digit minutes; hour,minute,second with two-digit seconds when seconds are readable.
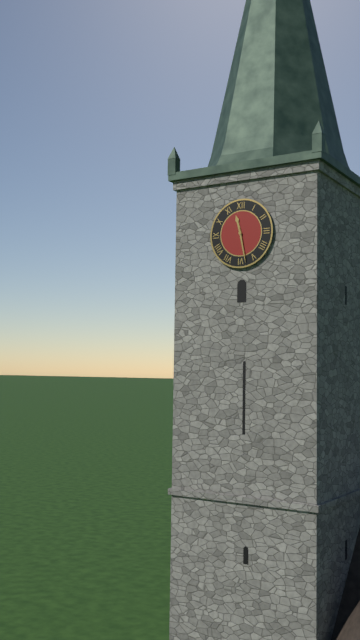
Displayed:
11,28
